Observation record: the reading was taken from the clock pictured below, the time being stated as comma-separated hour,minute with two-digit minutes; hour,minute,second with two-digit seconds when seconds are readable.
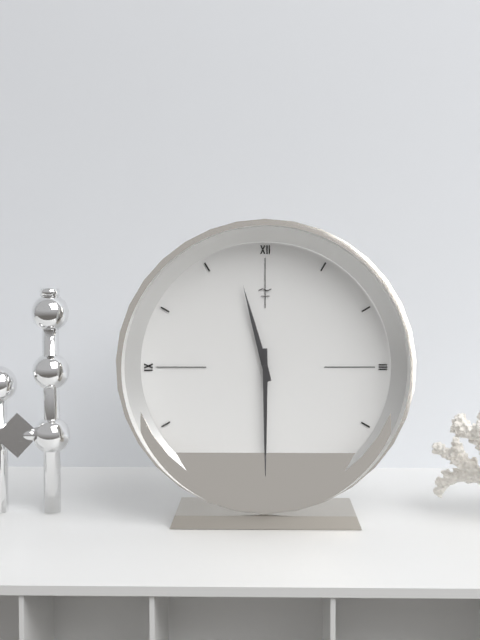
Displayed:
11,30
